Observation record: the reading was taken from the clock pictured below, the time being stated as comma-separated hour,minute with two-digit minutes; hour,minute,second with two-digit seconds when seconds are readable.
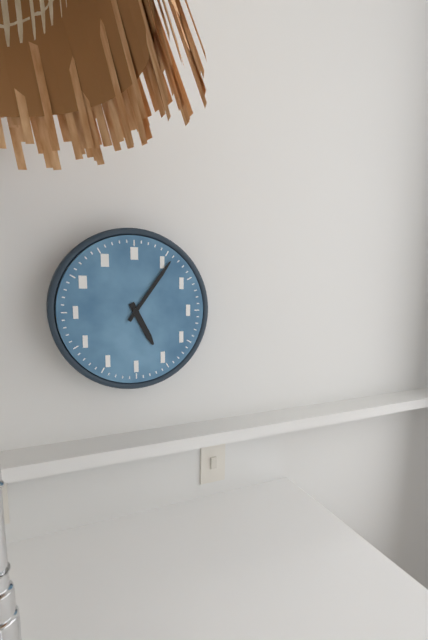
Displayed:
5,06
